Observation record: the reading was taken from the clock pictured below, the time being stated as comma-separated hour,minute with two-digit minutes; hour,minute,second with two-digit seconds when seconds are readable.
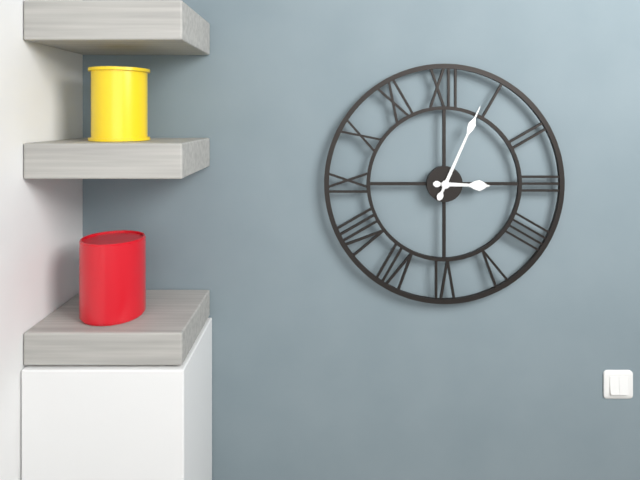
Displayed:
3,04
